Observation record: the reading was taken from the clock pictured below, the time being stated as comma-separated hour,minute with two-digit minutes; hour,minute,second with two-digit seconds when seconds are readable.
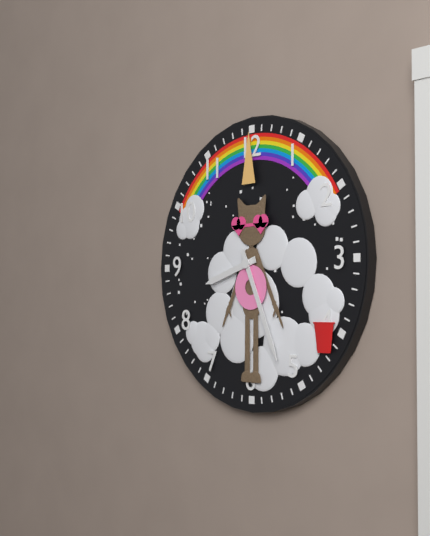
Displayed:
8,26
